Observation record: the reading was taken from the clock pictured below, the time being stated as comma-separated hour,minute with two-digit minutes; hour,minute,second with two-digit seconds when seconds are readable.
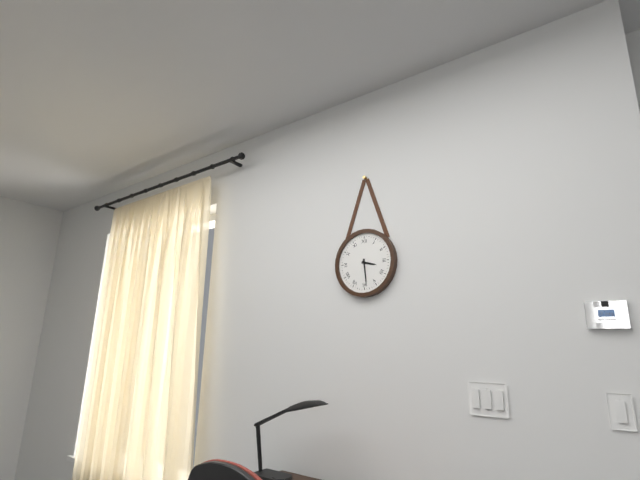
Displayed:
3,29
